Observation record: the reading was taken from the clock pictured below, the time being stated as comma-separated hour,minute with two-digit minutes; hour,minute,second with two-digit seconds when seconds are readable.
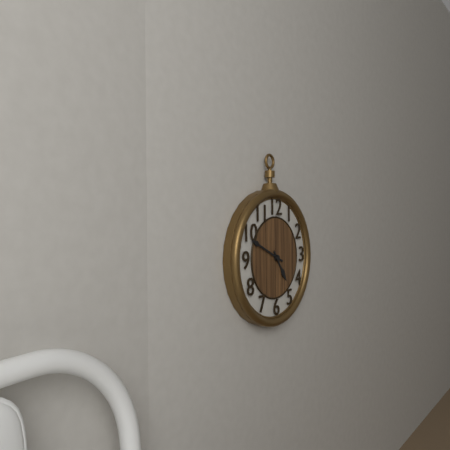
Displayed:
4,49
